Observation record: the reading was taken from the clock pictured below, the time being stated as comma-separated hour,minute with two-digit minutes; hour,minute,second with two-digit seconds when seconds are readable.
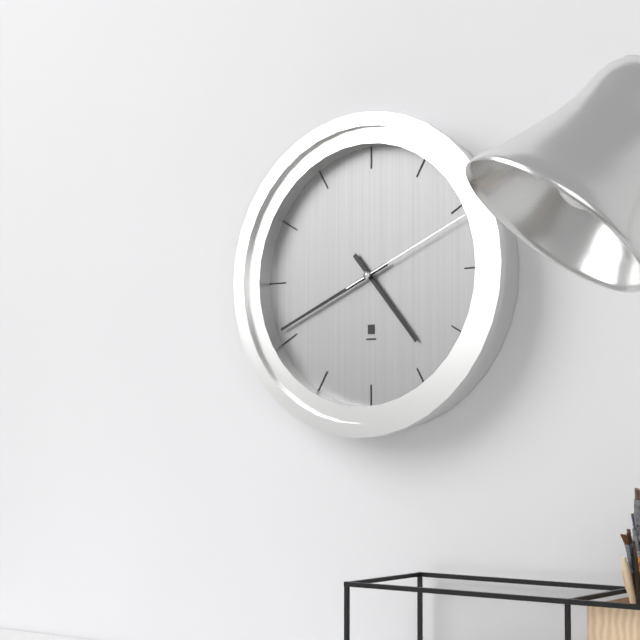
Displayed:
4,41,11
